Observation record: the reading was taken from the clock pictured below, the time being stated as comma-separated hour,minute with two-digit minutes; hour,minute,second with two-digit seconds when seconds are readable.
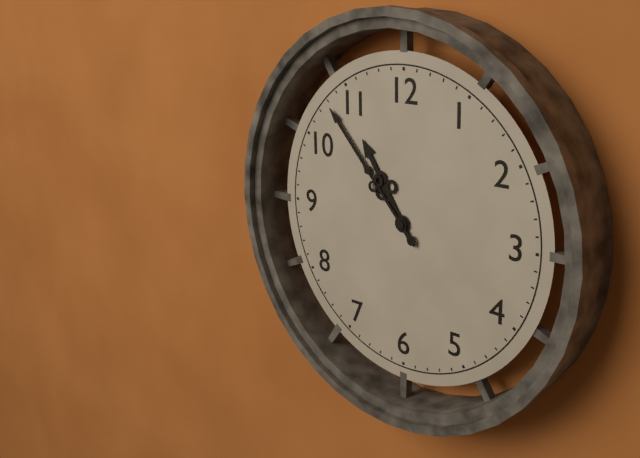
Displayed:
10,53
